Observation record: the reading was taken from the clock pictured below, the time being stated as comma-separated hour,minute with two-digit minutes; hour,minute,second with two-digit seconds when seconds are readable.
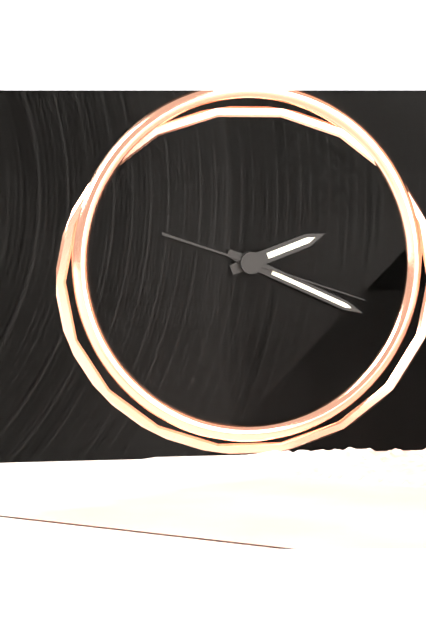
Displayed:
2,19,18
